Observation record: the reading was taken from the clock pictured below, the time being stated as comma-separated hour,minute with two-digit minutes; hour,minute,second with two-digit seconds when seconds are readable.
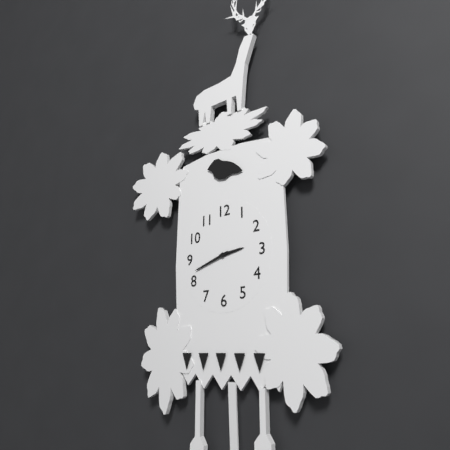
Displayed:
2,42
